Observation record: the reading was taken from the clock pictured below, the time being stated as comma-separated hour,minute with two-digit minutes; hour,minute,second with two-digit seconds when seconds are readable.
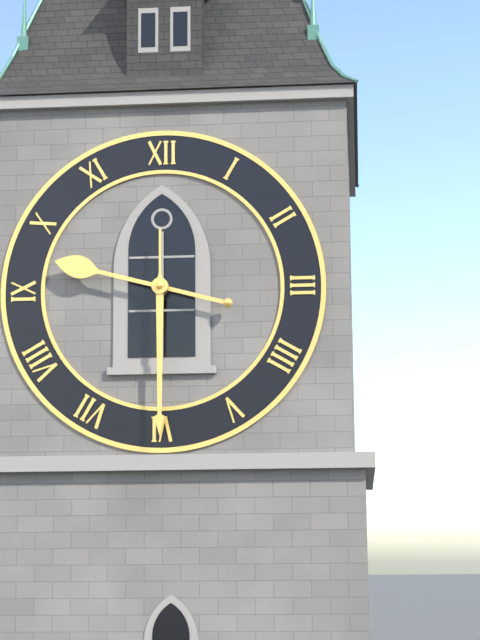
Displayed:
9,30
